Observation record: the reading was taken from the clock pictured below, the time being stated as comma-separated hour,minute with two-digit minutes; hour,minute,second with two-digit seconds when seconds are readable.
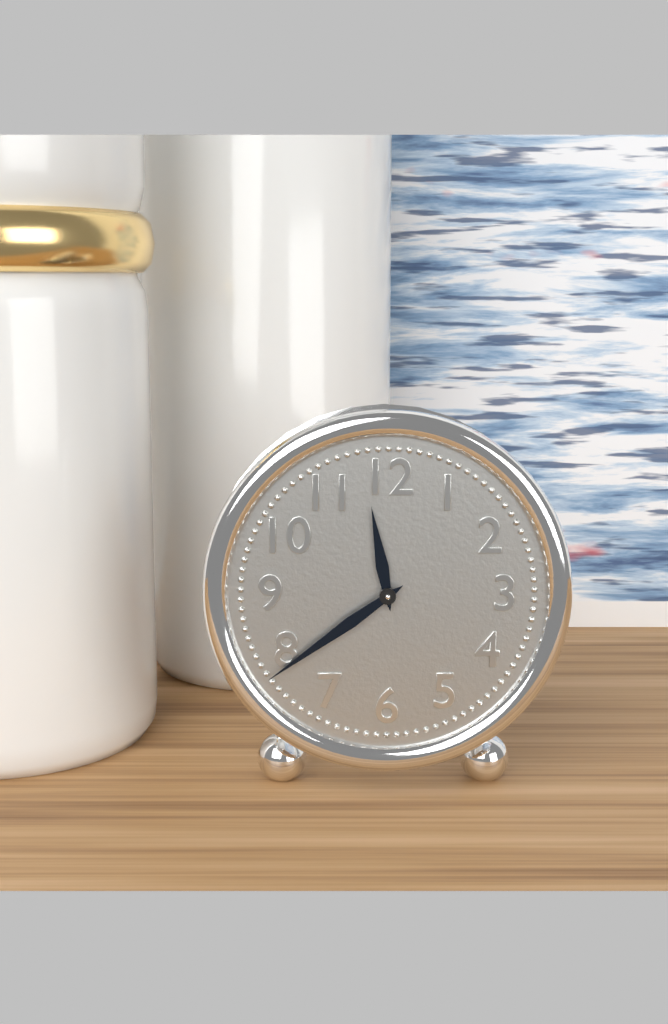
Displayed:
11,39
